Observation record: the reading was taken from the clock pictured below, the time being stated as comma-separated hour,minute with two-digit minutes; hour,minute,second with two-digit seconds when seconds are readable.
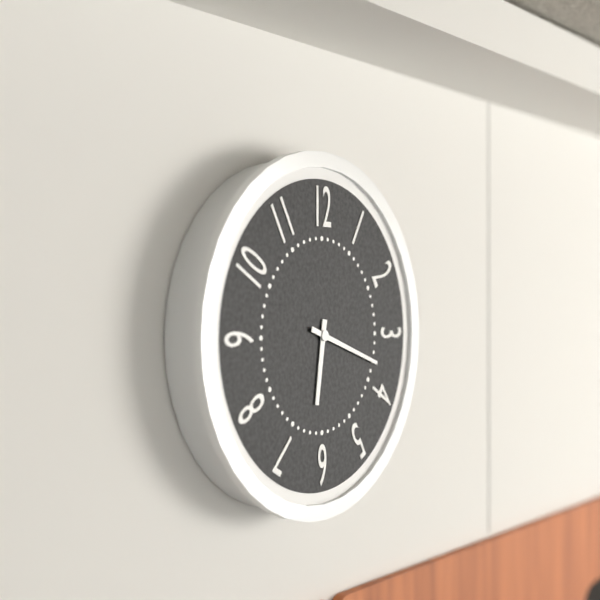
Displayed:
6,18
